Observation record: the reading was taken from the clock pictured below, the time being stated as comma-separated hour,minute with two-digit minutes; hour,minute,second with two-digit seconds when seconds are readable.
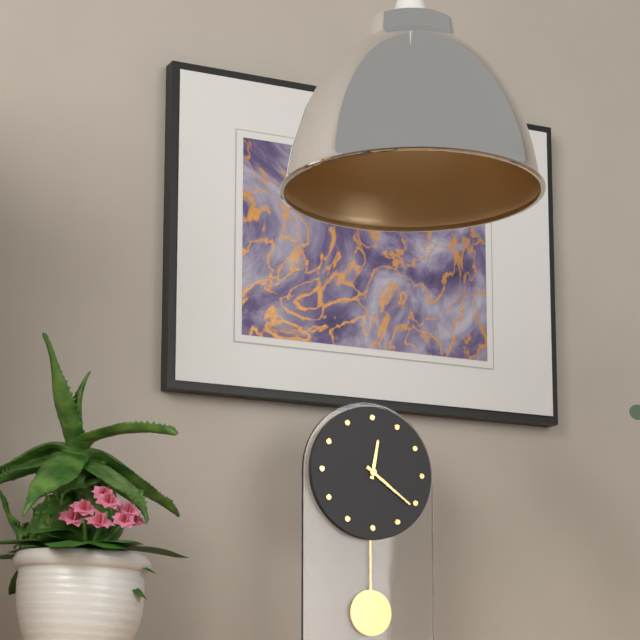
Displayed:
12,21
